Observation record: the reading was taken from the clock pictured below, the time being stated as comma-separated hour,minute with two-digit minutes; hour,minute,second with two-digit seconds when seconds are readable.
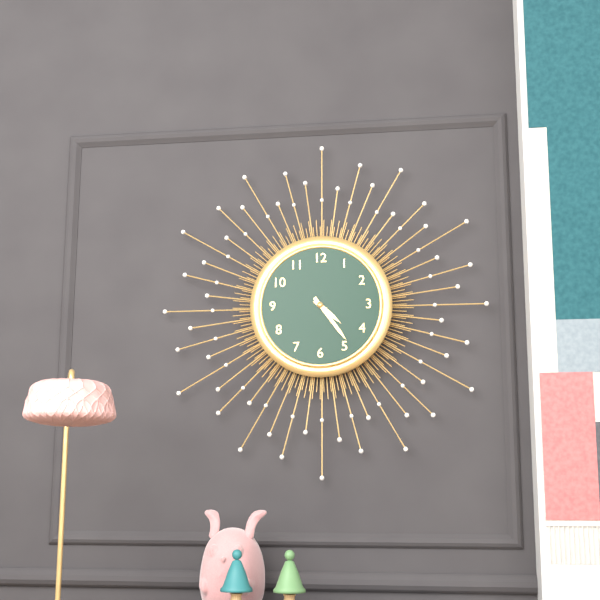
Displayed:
4,24
